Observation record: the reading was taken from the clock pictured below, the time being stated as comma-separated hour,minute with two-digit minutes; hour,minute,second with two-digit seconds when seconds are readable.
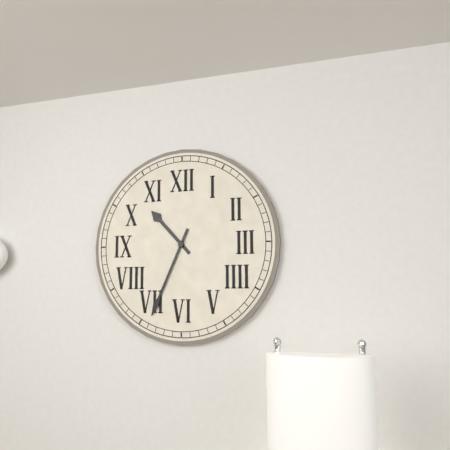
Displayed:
10,34
